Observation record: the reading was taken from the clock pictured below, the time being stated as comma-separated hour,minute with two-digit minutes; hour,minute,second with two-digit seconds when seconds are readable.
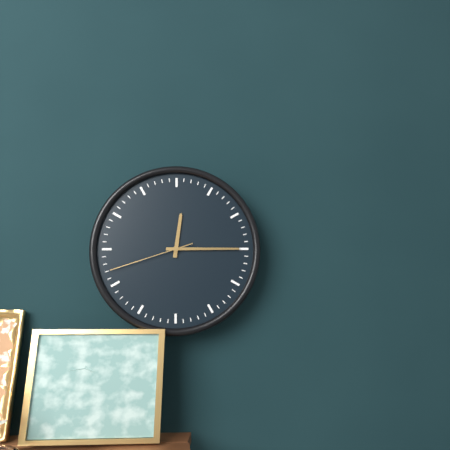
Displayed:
12,15,42
